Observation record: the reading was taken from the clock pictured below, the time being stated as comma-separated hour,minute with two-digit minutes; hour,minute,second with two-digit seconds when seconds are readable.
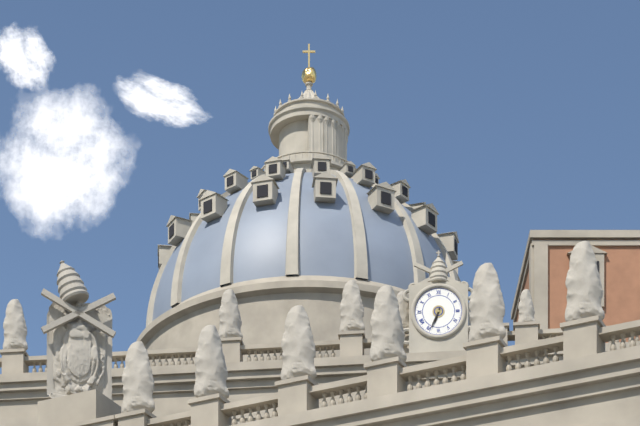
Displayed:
6,34
